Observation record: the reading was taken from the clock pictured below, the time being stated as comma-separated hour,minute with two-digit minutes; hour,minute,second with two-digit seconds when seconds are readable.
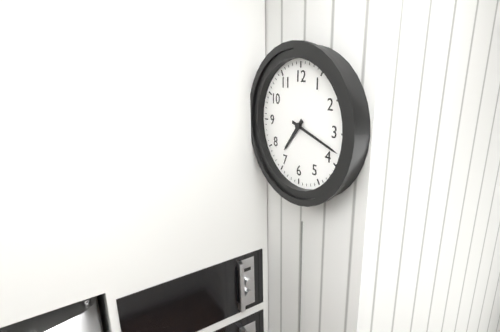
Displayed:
7,18
